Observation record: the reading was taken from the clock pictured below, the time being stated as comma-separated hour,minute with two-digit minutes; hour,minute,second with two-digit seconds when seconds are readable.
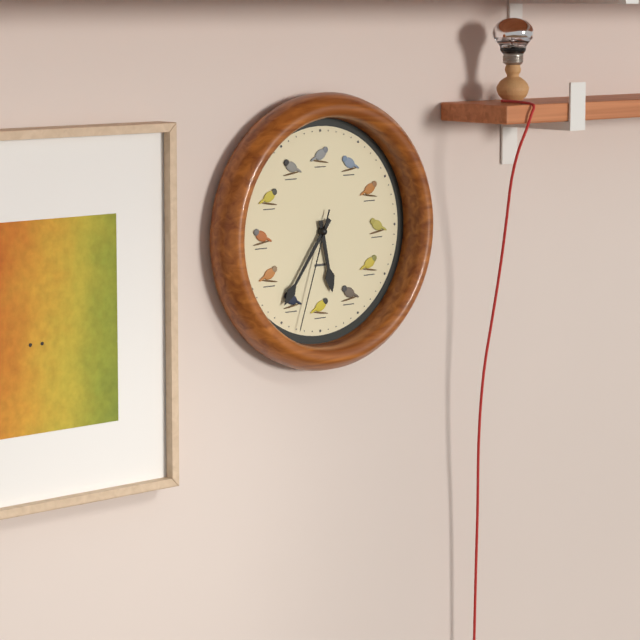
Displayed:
5,36,33
